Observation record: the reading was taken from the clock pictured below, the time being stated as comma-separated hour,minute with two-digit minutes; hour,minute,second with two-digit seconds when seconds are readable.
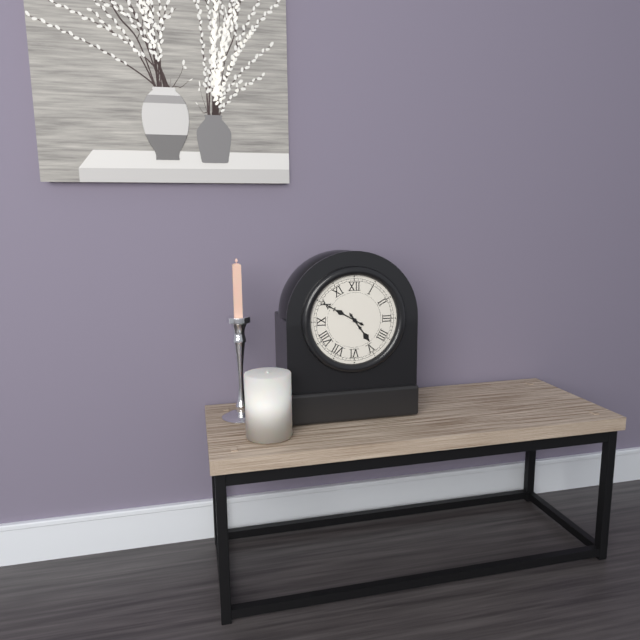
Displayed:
4,50
